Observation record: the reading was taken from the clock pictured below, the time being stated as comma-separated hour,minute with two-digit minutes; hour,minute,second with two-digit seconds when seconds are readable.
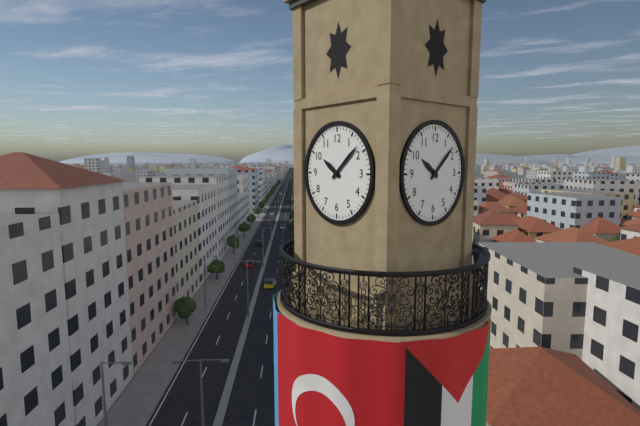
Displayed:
10,08
